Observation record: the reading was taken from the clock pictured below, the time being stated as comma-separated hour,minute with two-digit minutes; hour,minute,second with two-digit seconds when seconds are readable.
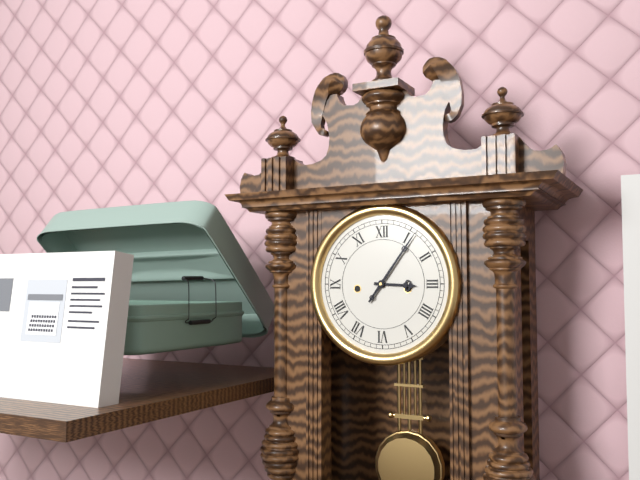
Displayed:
3,06
